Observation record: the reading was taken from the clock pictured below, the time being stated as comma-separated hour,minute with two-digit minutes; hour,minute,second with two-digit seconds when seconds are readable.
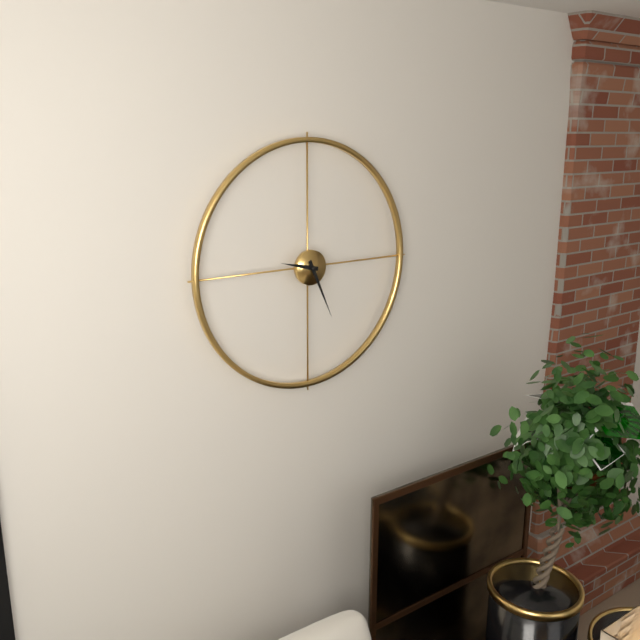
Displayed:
9,26
